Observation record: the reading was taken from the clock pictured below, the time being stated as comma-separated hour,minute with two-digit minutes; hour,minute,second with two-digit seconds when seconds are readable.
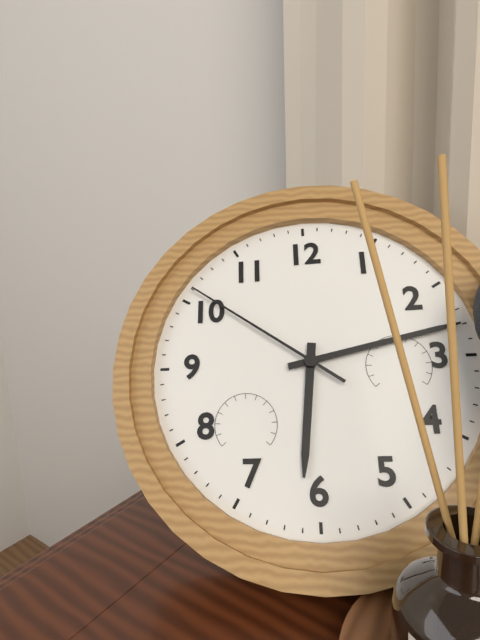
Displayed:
6,13,51
